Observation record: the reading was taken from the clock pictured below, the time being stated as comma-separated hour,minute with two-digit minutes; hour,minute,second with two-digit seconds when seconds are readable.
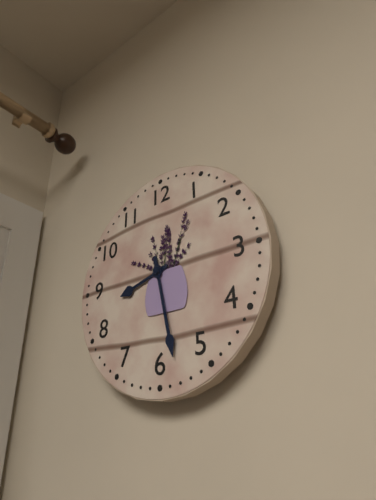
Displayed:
8,28
